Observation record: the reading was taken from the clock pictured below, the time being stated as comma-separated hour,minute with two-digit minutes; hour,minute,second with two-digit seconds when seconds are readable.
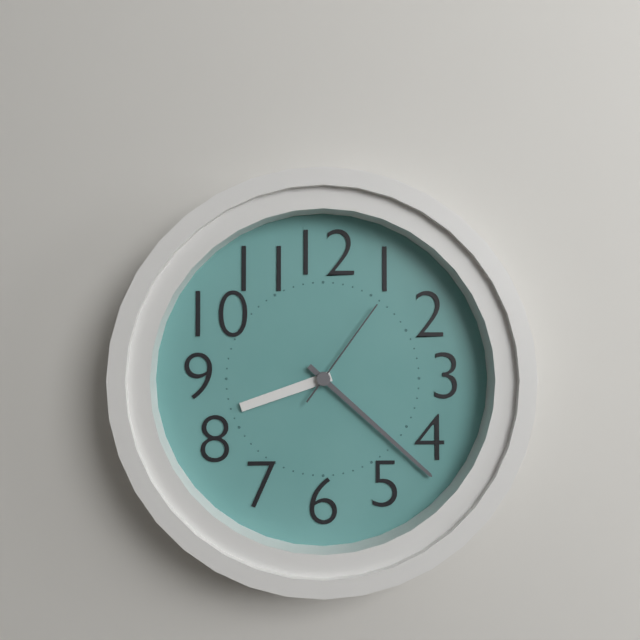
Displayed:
8,22,06
